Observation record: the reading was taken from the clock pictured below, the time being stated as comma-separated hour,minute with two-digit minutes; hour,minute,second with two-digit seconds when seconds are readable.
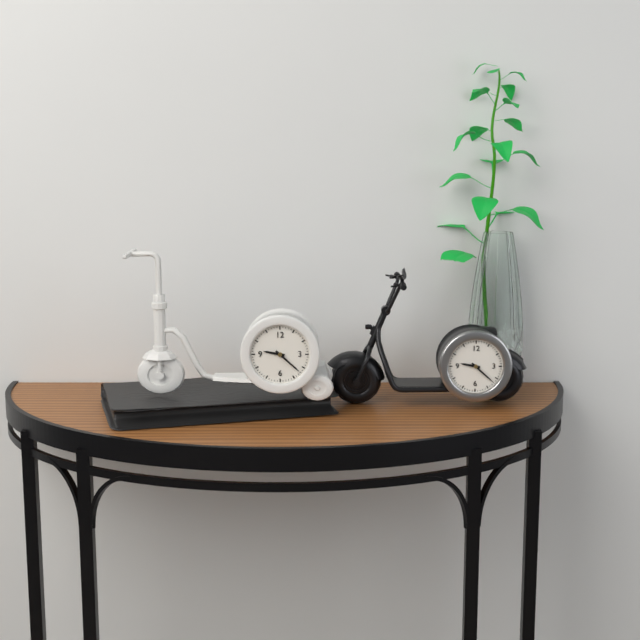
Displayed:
9,22
